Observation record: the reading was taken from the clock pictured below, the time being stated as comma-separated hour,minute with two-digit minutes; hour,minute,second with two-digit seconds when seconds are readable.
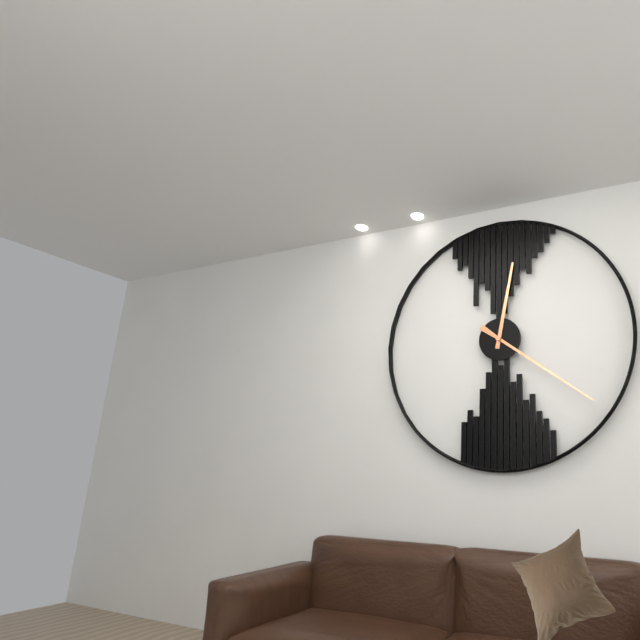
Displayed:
12,21
